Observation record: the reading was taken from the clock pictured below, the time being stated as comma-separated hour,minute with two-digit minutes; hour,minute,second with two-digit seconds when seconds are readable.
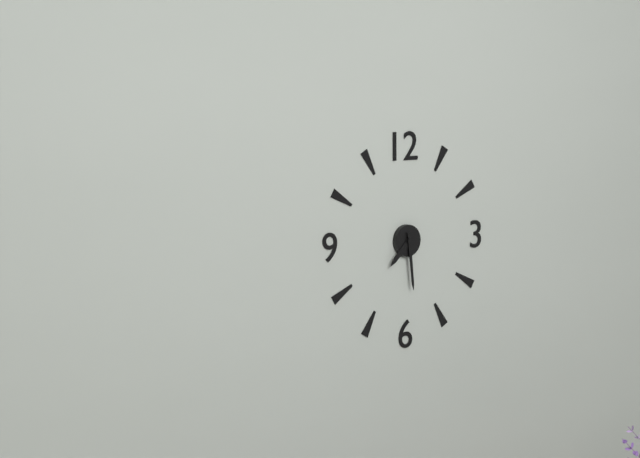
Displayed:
7,29
